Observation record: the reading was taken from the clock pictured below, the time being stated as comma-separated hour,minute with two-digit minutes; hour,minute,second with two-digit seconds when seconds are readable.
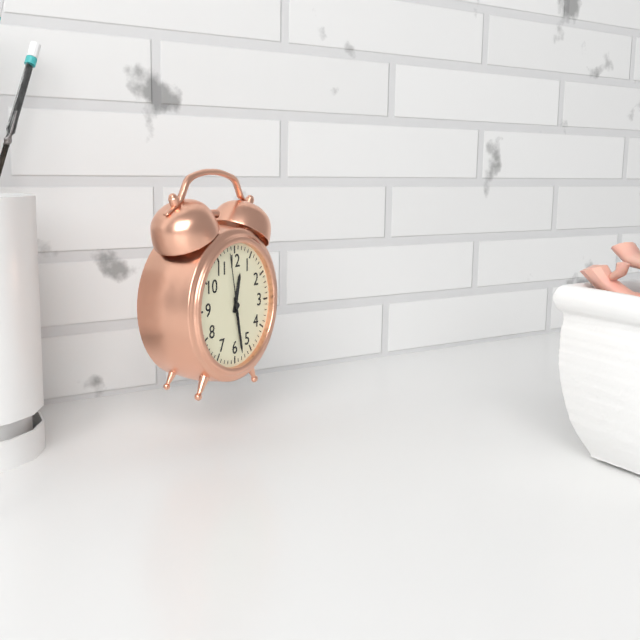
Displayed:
12,28,58
